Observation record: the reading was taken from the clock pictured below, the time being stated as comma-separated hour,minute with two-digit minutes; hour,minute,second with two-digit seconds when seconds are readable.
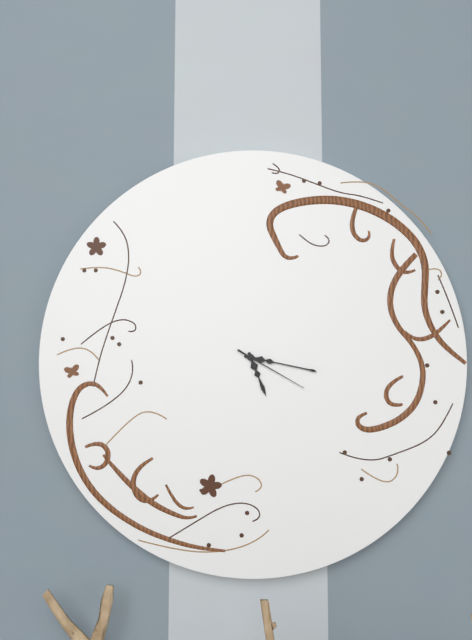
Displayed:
5,17,20
